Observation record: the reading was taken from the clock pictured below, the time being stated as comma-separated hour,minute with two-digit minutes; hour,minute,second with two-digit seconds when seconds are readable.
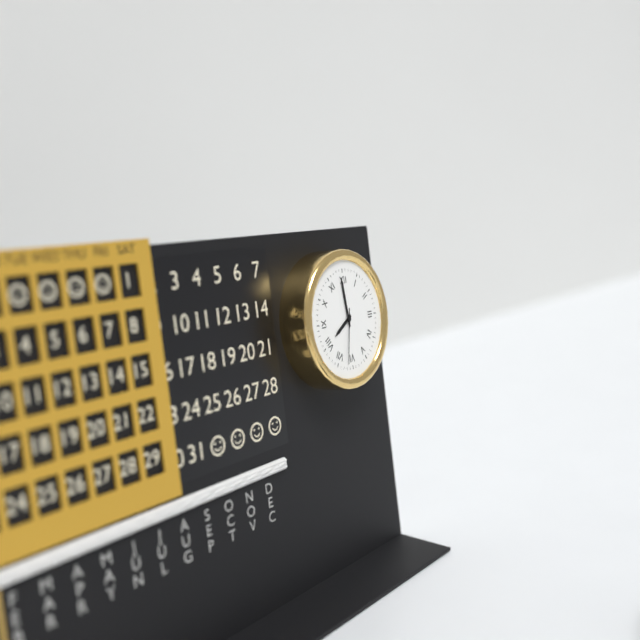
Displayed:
7,59,32
